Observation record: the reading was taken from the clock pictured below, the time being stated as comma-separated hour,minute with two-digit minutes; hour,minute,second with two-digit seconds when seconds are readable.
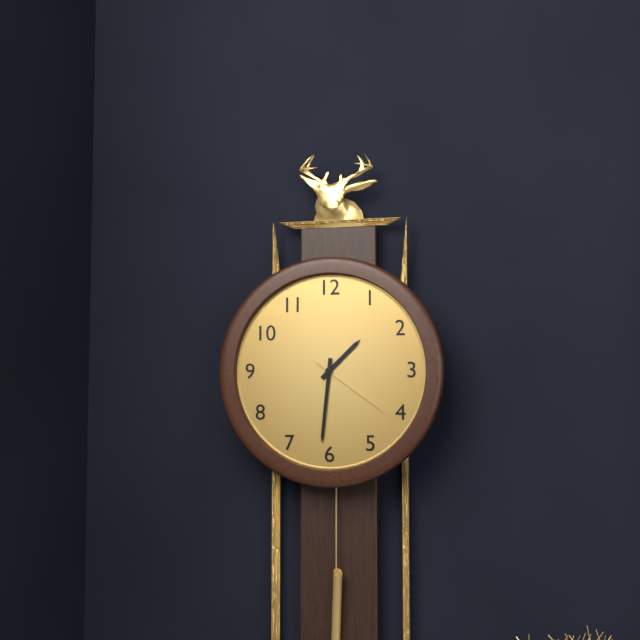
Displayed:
1,31,21
